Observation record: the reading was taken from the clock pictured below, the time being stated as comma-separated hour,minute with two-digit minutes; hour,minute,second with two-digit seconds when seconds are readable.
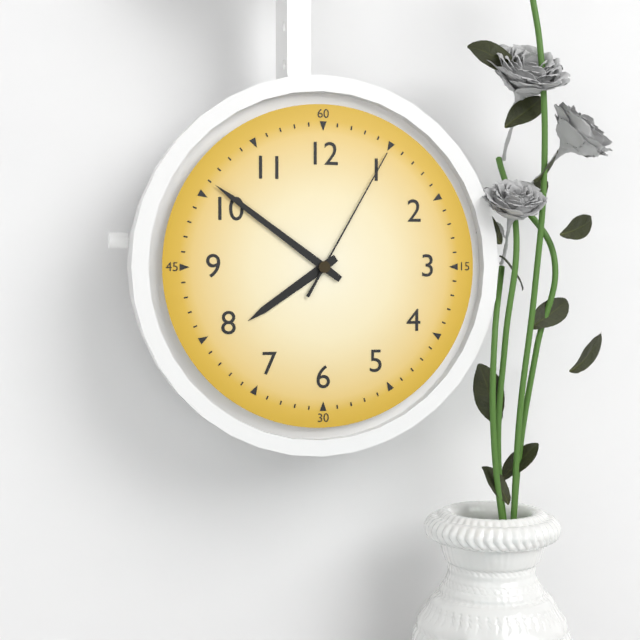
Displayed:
7,51,05
